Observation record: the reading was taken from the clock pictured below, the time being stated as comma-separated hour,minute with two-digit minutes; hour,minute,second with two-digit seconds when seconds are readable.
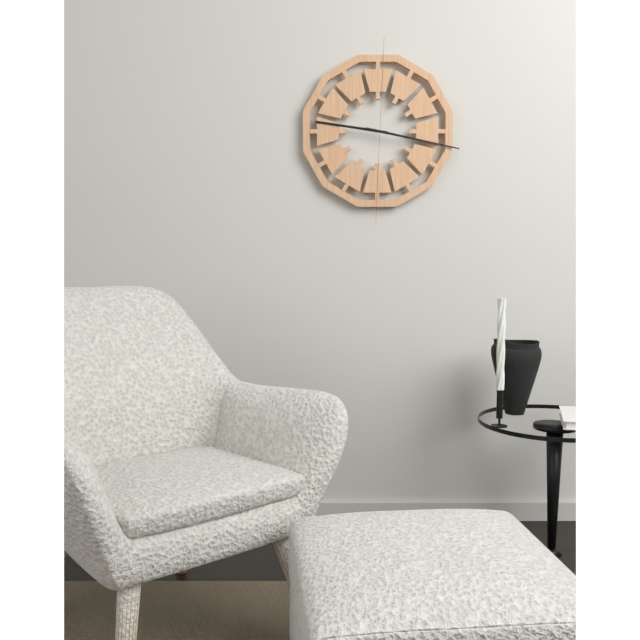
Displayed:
9,17
